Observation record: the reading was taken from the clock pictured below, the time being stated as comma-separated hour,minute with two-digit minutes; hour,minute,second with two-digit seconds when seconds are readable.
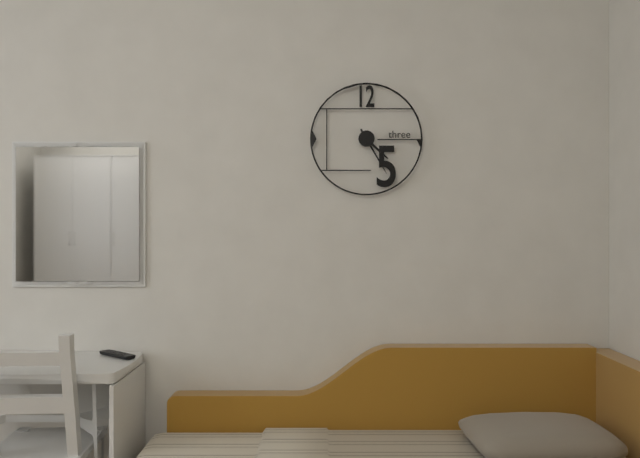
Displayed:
4,25
